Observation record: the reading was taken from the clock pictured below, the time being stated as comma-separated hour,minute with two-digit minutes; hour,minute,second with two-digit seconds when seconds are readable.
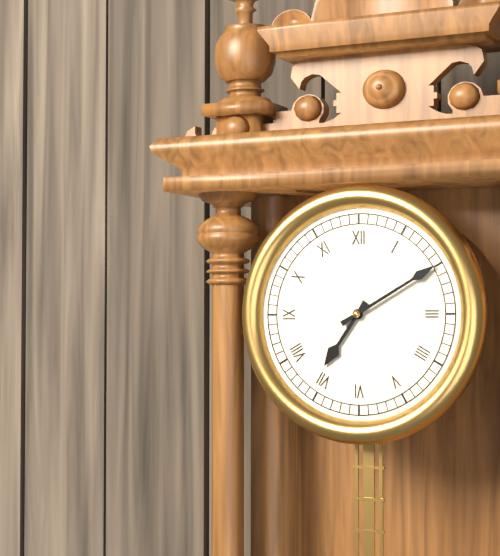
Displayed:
7,10
